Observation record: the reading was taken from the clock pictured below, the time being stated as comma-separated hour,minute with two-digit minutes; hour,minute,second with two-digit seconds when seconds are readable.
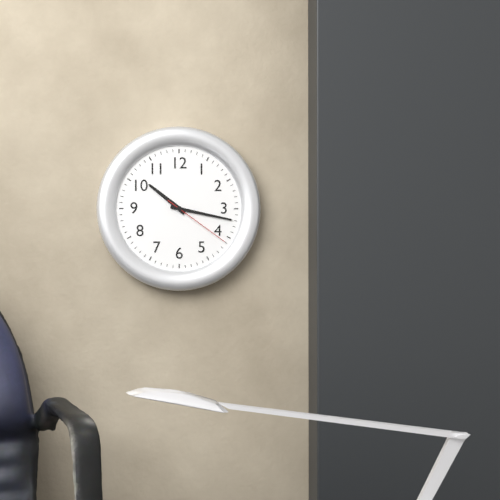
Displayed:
10,17,21
